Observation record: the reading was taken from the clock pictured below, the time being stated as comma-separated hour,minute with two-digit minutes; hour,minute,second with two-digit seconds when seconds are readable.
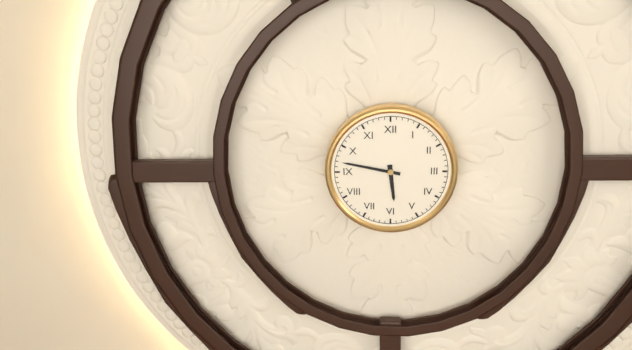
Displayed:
5,47
